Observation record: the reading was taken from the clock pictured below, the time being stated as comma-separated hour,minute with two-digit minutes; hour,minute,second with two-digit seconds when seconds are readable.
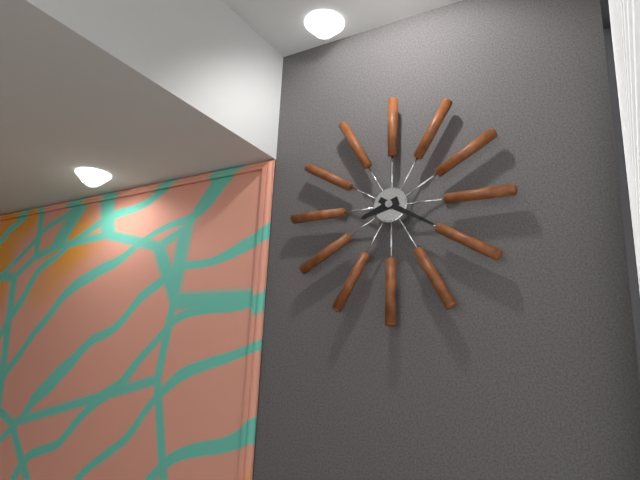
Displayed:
8,20
